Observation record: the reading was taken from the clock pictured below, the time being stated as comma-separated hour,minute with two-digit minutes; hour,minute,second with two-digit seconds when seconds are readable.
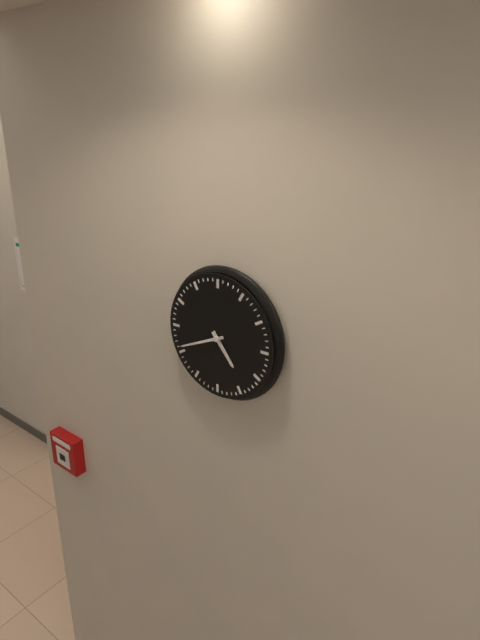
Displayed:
4,41
